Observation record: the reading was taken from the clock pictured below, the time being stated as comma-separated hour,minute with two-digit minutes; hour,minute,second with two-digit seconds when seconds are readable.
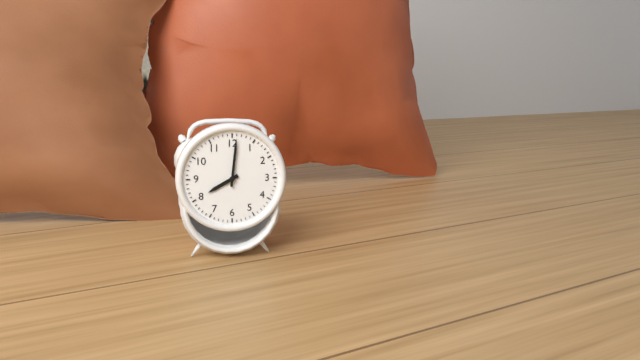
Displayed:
8,01
